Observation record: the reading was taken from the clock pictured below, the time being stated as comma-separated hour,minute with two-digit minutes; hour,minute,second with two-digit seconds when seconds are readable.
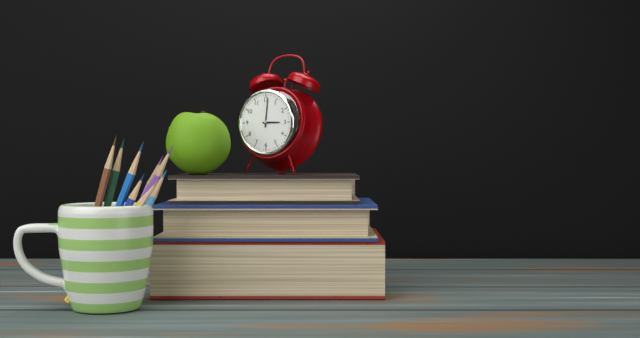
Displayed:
3,01
